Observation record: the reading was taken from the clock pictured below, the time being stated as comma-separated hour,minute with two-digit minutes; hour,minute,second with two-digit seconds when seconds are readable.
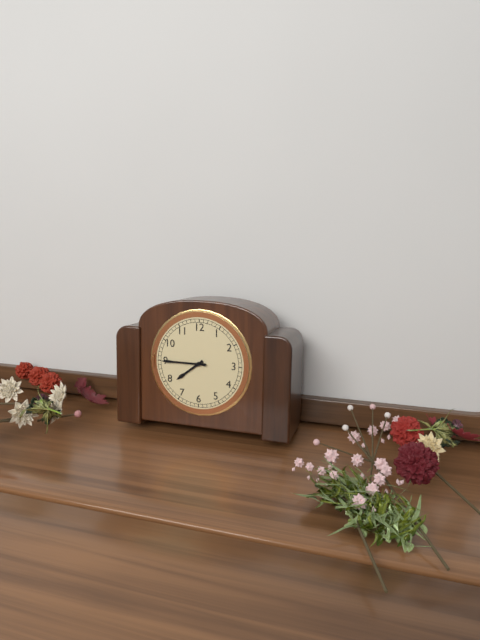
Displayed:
7,45
